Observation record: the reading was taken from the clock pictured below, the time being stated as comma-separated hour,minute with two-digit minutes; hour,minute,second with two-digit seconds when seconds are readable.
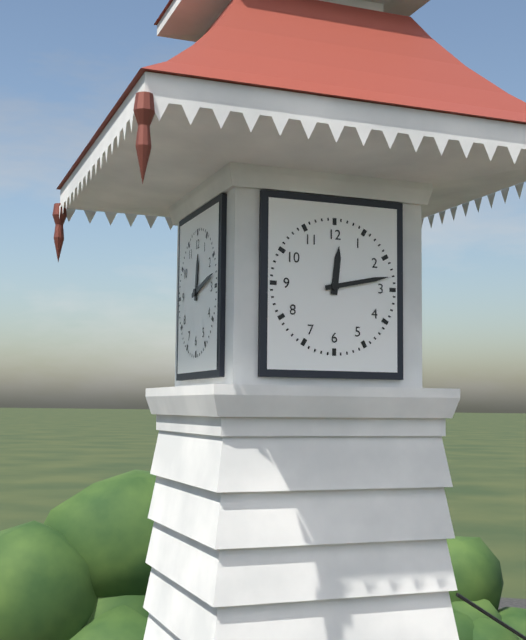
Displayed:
12,13
